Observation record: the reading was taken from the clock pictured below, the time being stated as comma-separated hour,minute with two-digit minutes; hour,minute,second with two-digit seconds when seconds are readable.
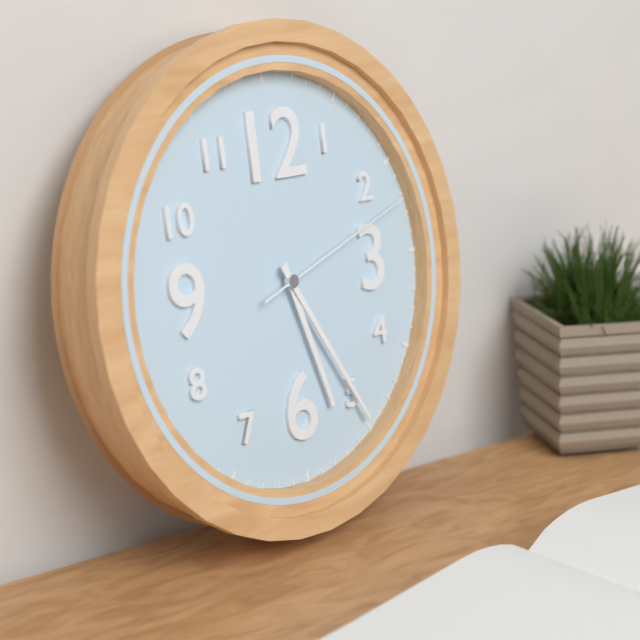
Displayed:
5,25,12
